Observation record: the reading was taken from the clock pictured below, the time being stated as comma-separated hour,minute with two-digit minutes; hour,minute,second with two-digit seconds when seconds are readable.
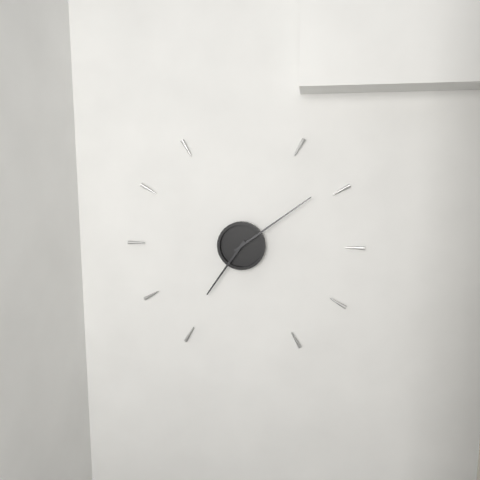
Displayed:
7,09
